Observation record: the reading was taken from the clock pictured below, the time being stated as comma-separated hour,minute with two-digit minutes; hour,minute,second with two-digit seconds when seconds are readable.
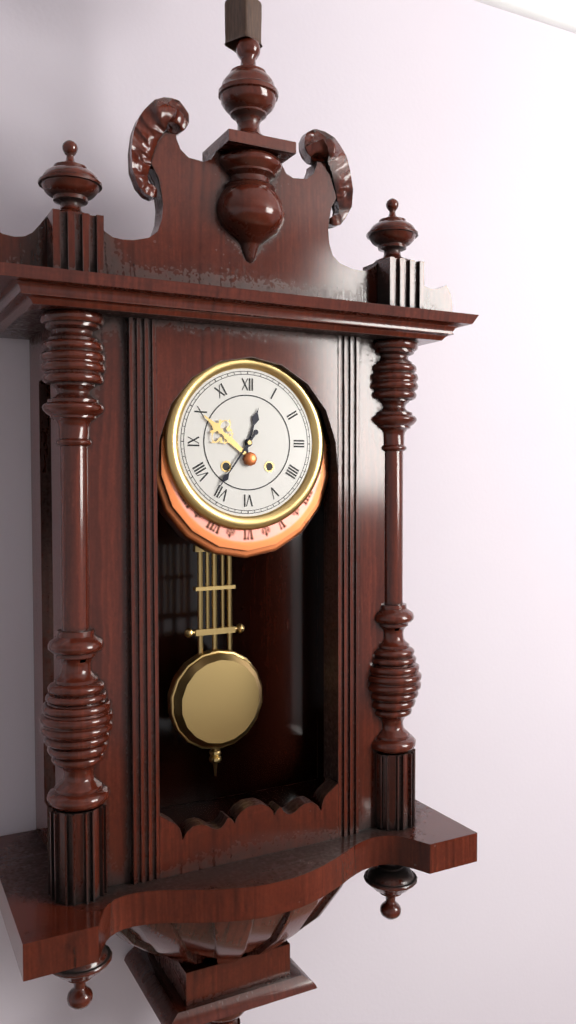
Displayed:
12,36
